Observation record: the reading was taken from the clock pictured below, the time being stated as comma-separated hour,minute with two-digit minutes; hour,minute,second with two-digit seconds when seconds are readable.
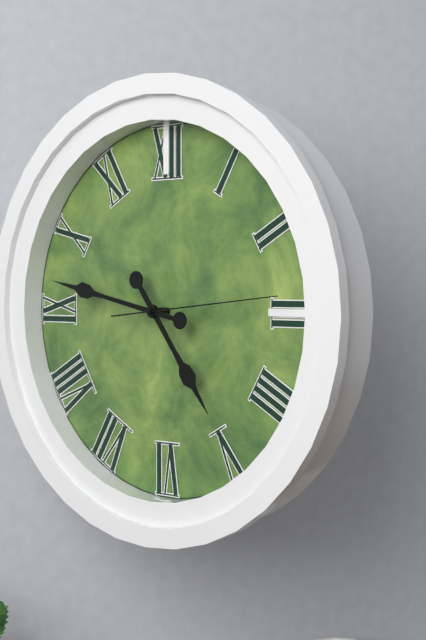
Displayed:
4,47,14
